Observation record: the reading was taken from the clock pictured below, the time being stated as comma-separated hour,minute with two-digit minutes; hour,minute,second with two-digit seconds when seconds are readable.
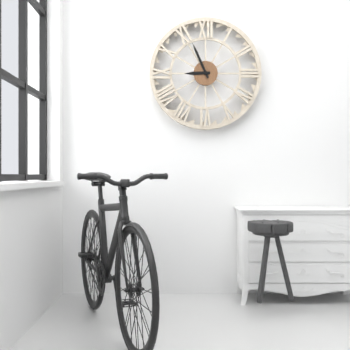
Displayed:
8,56
